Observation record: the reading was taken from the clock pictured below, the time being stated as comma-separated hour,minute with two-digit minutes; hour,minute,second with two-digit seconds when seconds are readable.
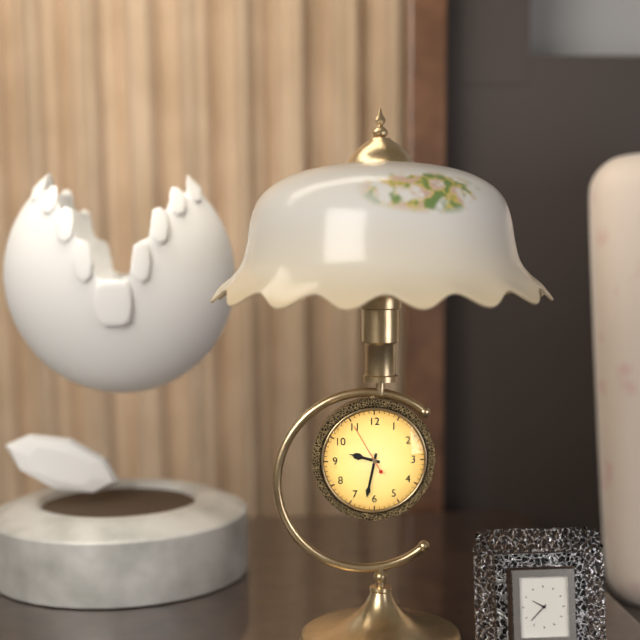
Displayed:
9,32,55
